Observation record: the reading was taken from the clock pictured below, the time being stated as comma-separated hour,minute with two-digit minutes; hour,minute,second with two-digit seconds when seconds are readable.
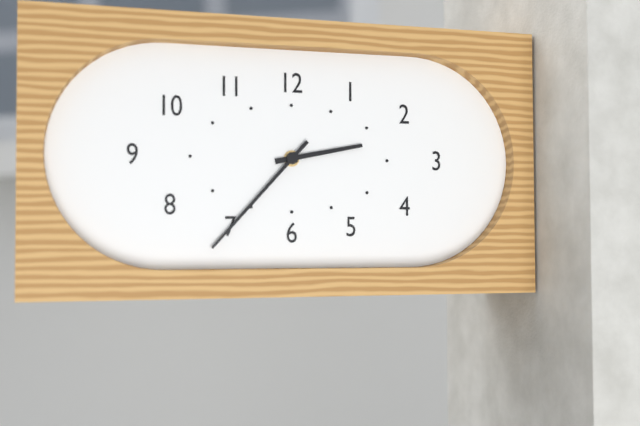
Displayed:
2,37
